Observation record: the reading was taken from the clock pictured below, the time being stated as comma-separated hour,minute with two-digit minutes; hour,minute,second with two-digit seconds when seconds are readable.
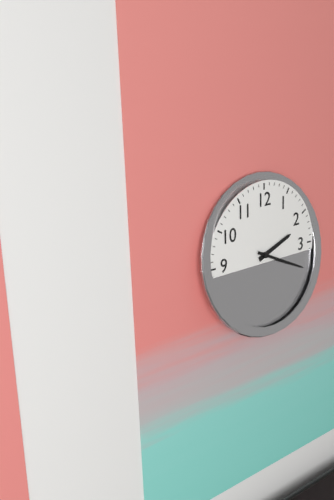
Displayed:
2,19
